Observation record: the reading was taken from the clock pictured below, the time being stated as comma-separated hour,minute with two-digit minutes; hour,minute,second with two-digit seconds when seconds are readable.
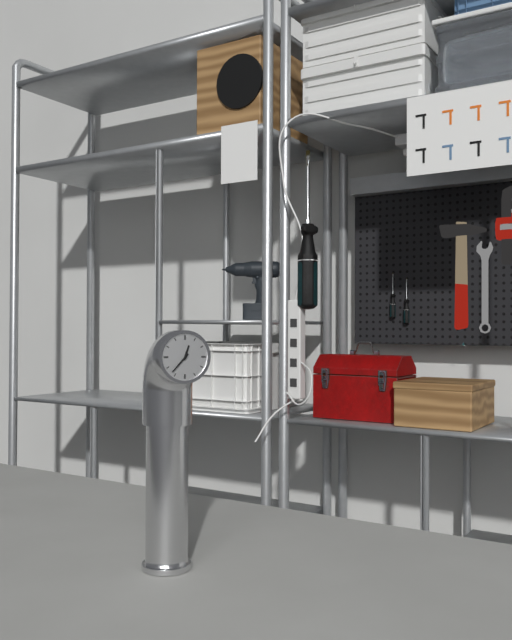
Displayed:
12,37
